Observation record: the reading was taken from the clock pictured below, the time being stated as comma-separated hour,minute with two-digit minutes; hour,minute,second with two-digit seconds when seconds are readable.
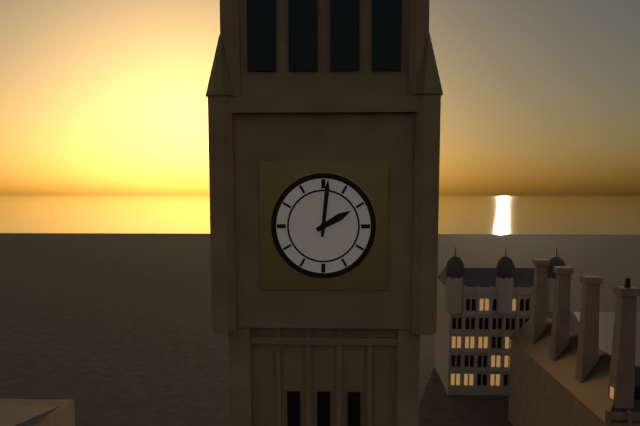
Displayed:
2,01
